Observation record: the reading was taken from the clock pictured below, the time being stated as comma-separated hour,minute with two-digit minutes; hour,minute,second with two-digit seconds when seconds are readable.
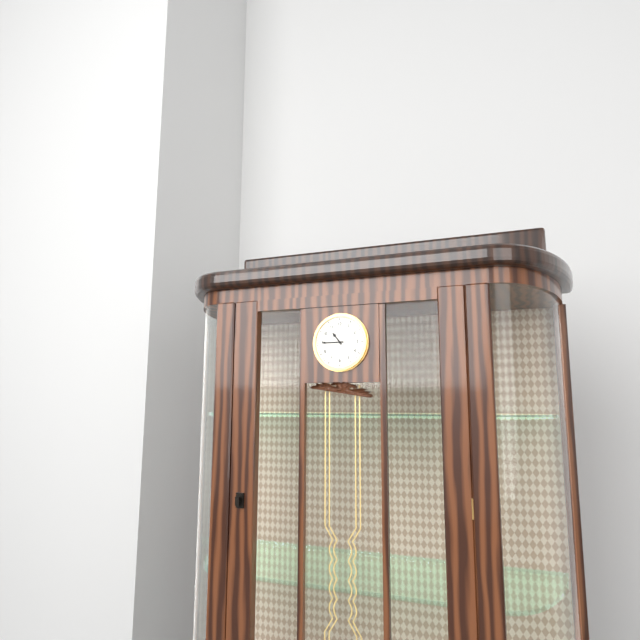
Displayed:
10,45
